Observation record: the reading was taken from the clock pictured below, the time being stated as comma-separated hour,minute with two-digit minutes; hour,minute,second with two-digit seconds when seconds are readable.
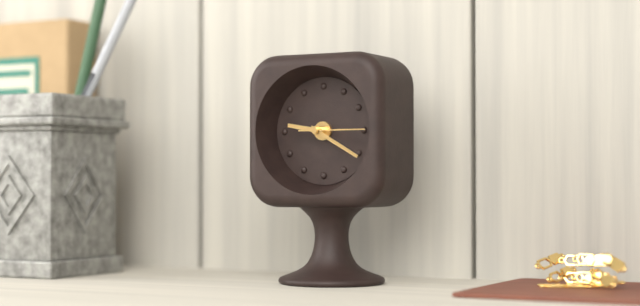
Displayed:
9,20
